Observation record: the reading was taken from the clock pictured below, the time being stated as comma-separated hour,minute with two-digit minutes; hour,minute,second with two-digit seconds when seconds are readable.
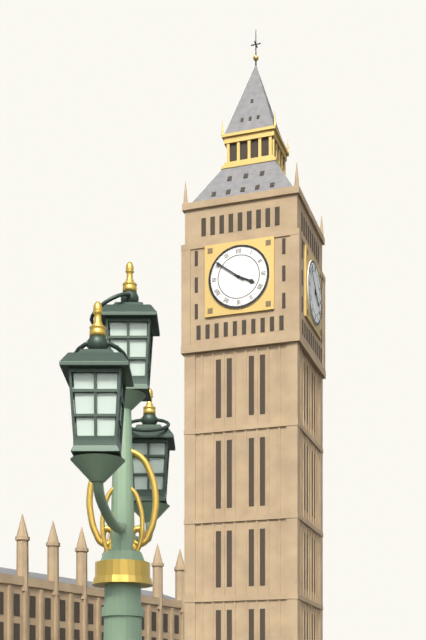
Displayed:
3,51
